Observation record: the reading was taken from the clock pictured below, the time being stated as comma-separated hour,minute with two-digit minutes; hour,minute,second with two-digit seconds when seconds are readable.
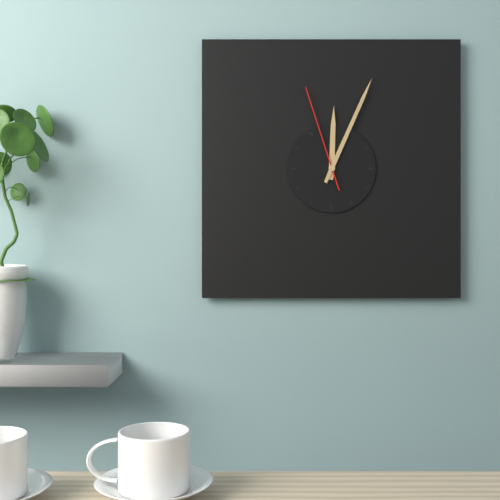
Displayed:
12,04,57
